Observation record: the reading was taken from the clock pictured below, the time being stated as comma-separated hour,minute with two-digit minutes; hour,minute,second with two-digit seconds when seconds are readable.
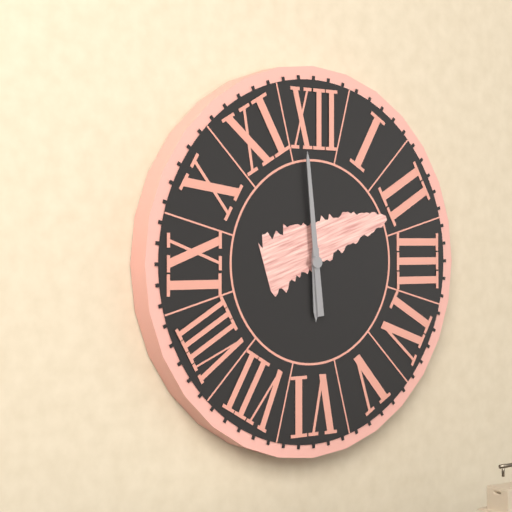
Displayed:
5,59
